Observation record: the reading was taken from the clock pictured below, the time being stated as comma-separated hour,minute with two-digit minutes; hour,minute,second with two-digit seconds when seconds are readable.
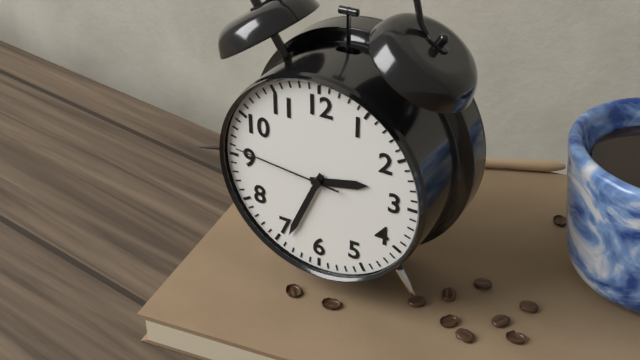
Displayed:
2,34,46
